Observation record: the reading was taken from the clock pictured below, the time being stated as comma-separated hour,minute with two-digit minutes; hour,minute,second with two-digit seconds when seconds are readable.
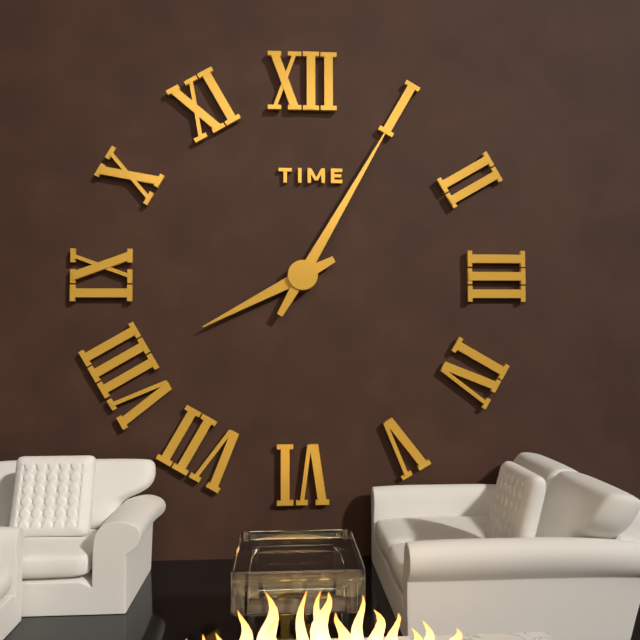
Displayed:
8,05
